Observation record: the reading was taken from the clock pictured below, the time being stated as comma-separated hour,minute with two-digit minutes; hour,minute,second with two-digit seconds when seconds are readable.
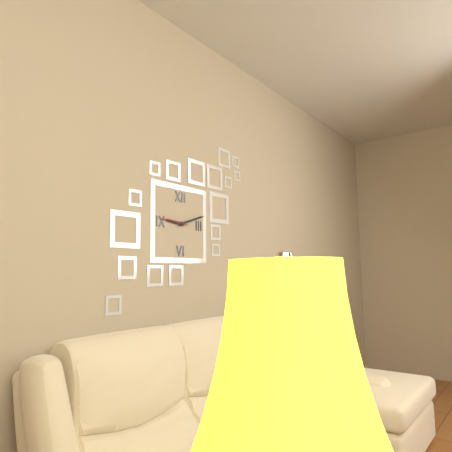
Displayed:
9,12
